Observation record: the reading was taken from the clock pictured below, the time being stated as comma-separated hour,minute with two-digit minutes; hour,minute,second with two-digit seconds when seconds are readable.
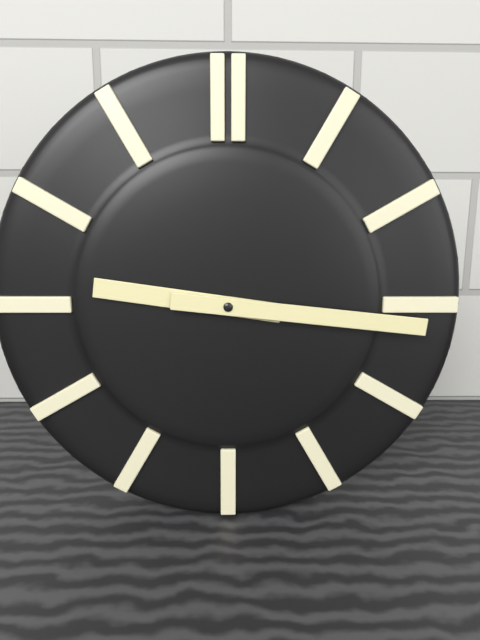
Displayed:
9,16
